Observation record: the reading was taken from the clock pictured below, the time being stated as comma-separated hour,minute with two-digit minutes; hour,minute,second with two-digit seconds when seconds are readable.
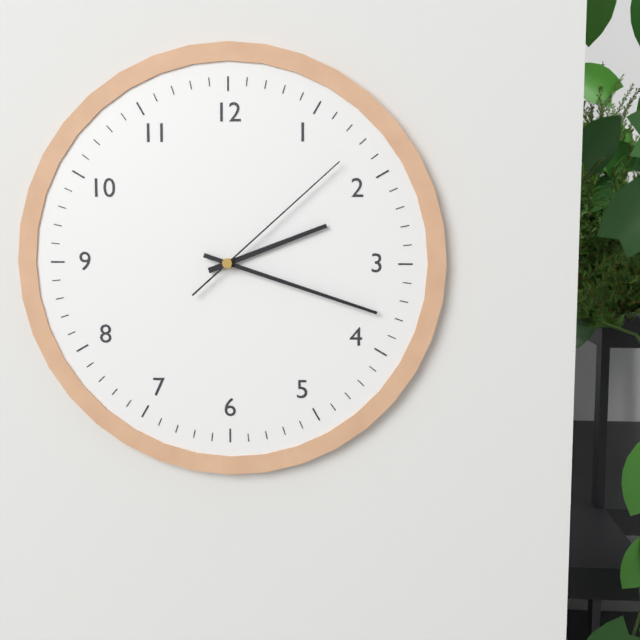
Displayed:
2,18,08
